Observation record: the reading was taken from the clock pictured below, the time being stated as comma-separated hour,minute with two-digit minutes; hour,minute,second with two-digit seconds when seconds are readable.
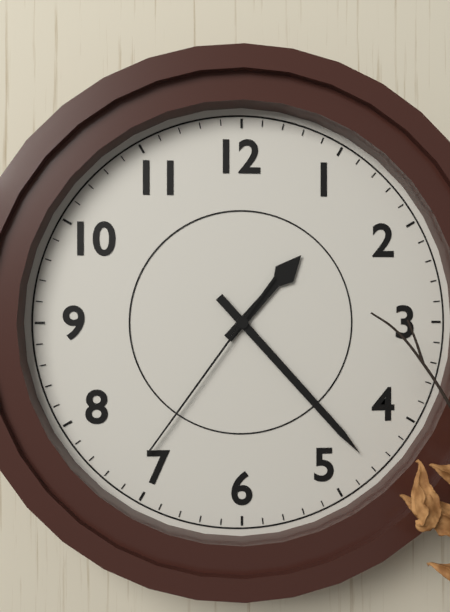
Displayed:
1,23,36
